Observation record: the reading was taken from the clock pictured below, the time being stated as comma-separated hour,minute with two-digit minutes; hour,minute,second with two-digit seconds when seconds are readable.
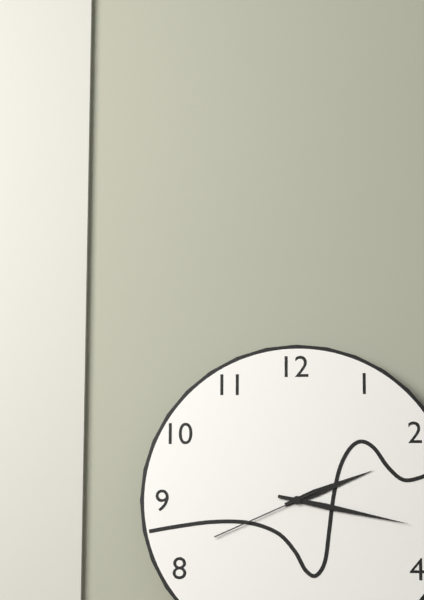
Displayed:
2,17,41
